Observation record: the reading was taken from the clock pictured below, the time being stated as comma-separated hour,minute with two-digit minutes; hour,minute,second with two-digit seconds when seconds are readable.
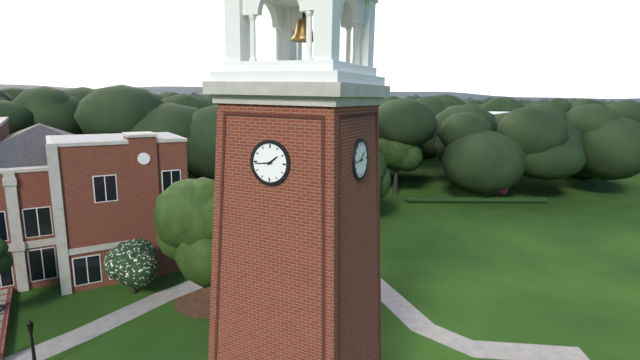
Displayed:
1,44
